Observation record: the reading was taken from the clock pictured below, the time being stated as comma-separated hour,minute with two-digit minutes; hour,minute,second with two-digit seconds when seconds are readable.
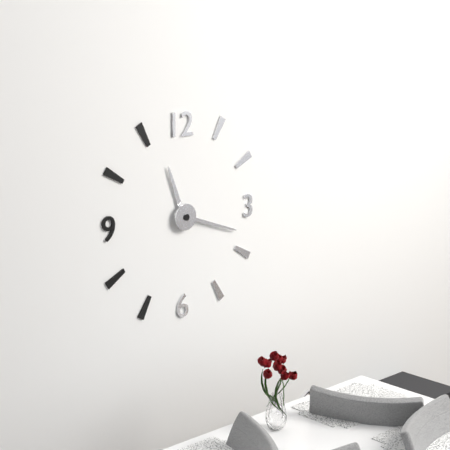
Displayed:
11,18
